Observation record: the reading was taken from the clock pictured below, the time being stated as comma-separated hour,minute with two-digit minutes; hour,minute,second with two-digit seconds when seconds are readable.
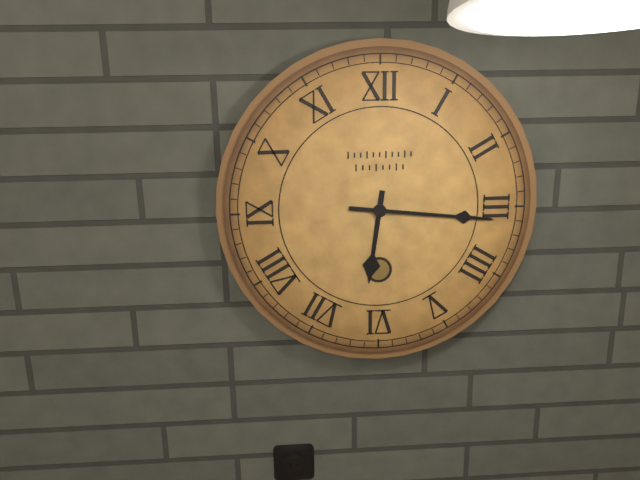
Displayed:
6,16
